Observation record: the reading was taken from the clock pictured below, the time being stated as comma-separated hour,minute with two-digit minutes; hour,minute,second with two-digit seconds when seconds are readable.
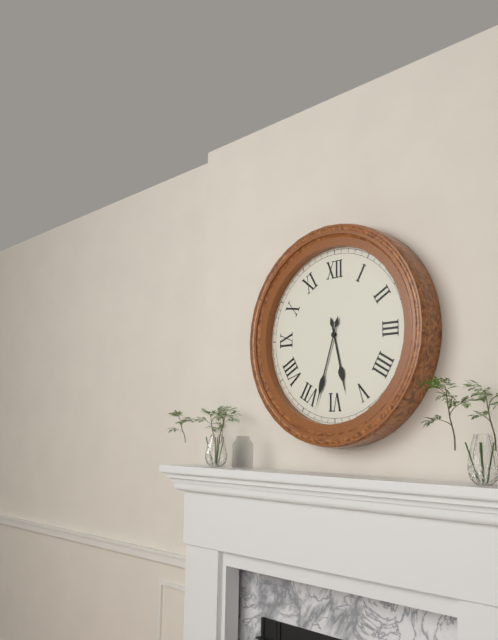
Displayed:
5,33
